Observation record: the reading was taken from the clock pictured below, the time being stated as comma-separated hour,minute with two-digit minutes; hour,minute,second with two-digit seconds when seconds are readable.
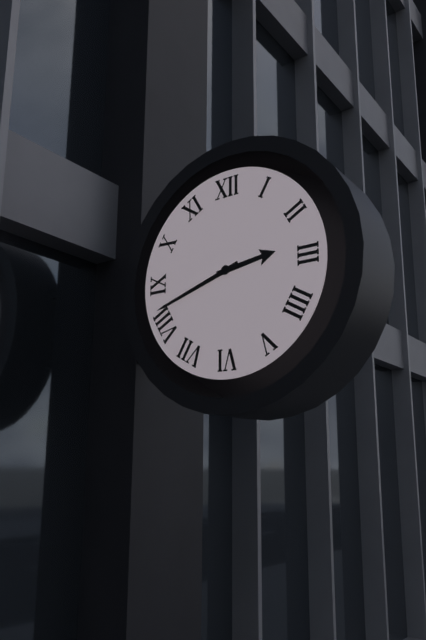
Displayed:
2,42
